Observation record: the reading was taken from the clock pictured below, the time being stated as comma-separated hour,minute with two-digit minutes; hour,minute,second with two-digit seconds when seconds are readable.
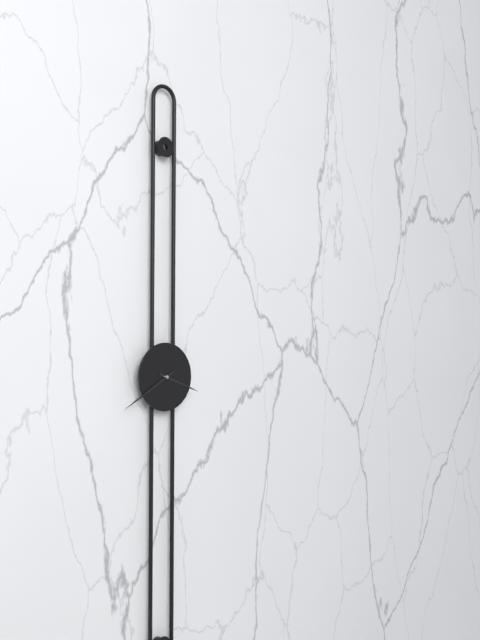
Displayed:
3,40
